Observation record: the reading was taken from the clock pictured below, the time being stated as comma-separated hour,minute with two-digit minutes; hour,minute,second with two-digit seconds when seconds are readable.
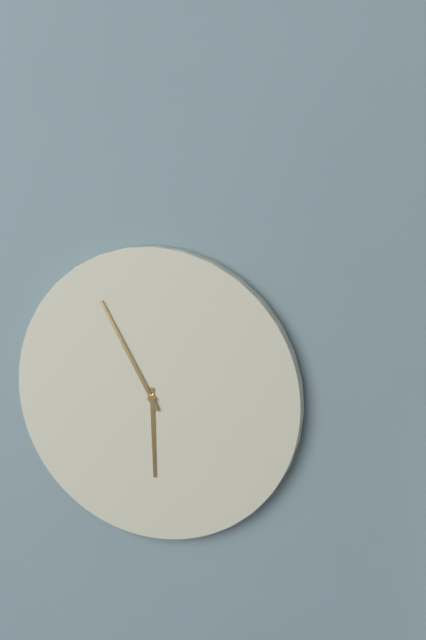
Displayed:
5,55
